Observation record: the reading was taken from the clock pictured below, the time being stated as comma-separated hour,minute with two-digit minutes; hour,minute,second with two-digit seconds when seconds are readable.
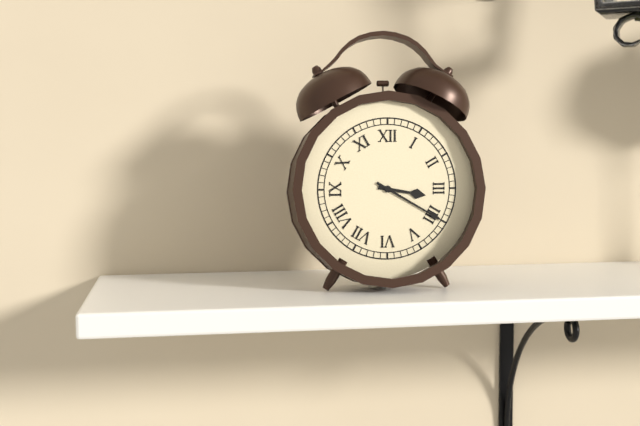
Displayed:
3,20
